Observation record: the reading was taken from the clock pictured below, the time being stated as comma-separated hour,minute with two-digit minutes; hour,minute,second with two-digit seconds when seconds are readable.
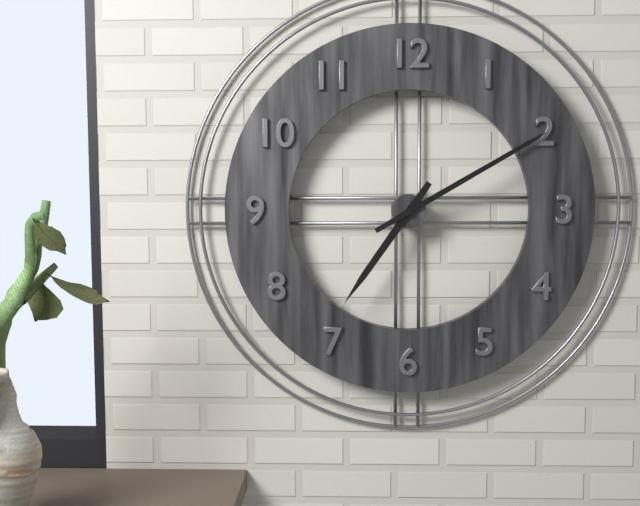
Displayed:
7,10
